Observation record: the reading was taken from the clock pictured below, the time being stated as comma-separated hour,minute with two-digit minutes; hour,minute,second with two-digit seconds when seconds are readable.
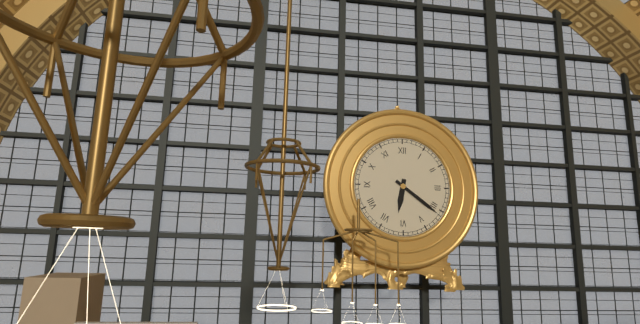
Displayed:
6,21
